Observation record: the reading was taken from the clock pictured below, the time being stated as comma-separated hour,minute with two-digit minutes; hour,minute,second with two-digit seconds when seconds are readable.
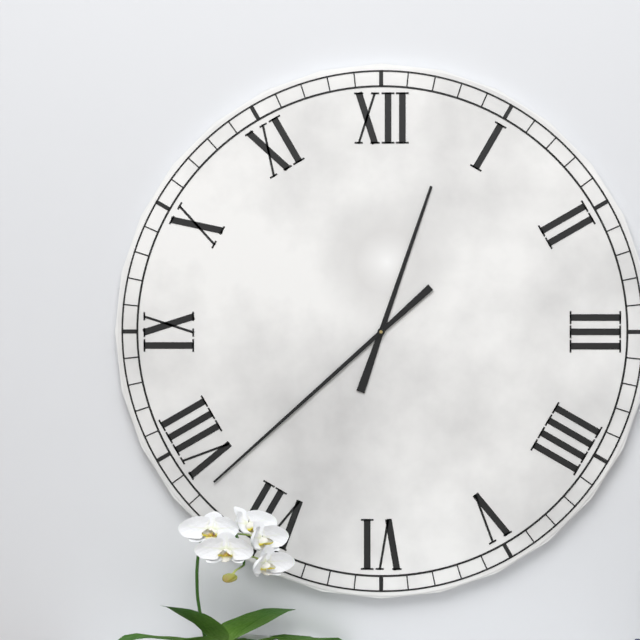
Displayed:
12,38
